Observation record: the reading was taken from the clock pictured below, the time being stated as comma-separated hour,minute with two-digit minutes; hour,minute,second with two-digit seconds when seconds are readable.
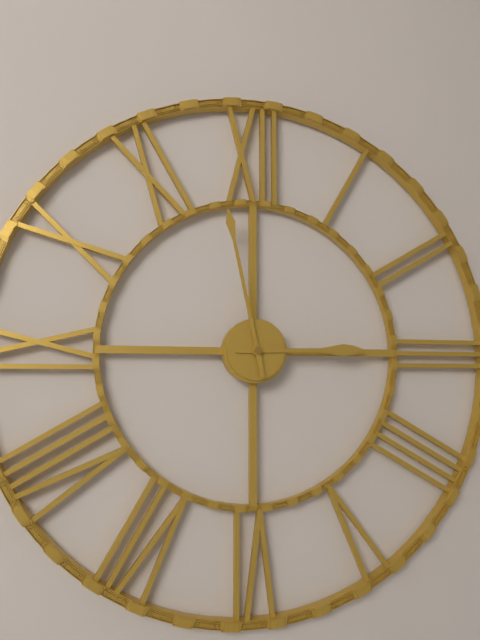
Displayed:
2,58
